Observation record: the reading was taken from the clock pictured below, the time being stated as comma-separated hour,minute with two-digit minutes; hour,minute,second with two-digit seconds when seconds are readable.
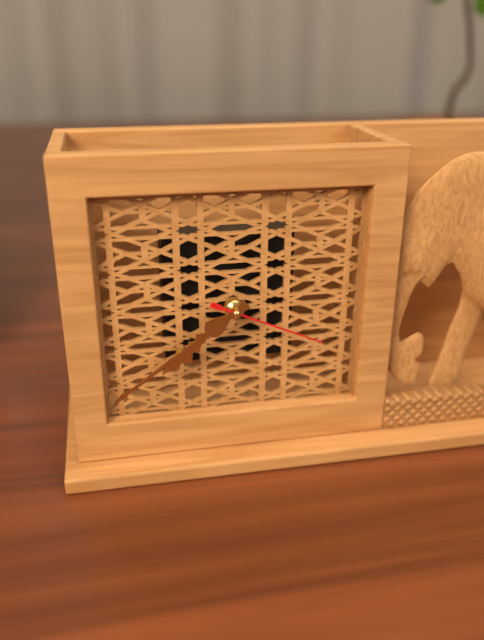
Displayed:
7,39,19
